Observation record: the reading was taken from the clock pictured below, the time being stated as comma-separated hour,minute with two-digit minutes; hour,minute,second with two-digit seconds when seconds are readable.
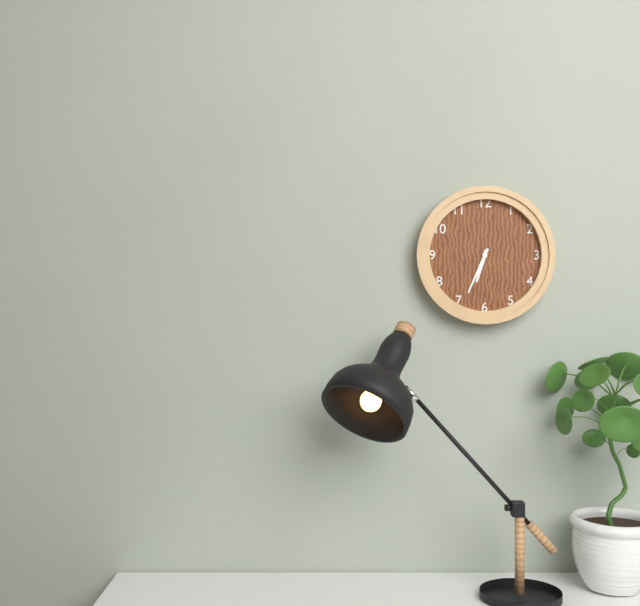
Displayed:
6,34
